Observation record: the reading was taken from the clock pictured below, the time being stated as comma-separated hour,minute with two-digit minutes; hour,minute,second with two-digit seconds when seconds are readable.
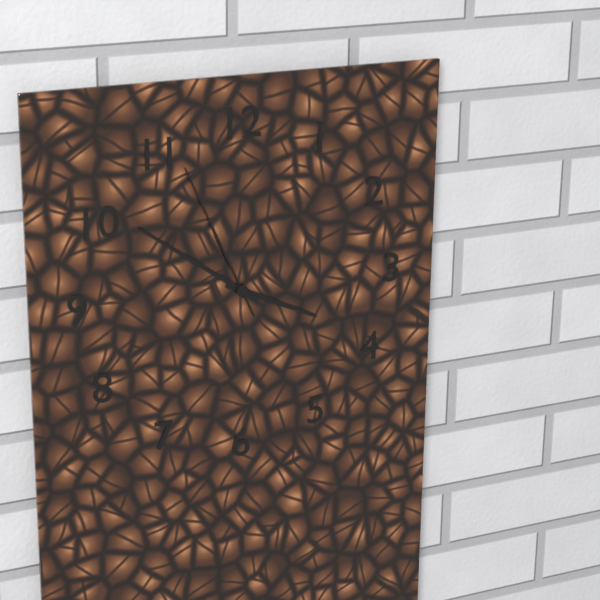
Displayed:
3,51,56
